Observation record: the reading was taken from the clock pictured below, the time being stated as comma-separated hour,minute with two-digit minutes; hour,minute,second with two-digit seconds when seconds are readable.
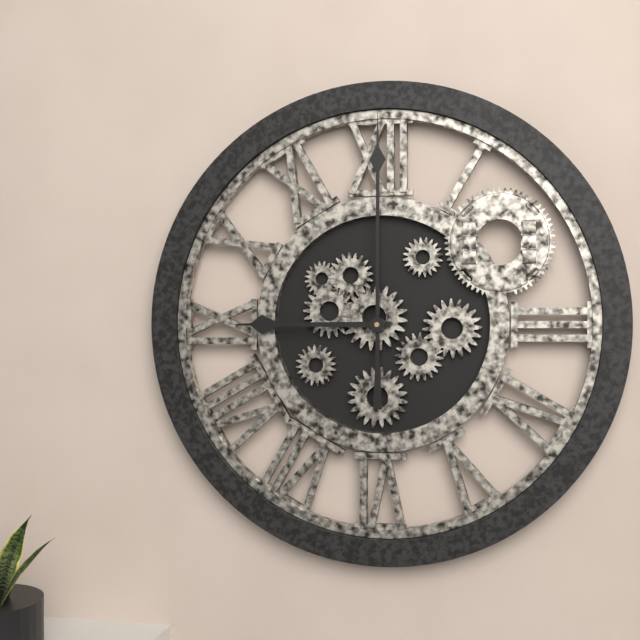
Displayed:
9,00
